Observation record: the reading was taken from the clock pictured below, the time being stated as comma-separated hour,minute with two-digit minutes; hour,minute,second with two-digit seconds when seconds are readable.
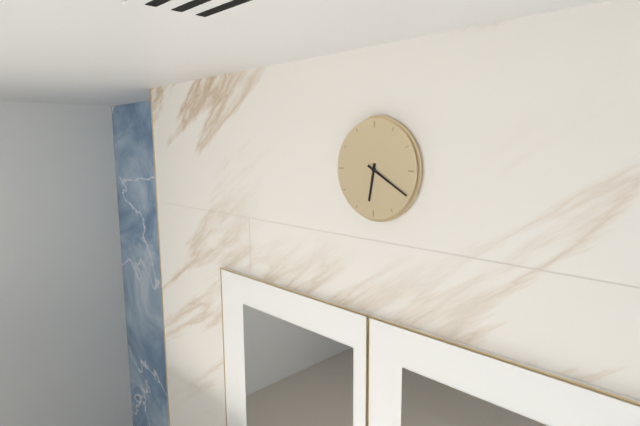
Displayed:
6,20
